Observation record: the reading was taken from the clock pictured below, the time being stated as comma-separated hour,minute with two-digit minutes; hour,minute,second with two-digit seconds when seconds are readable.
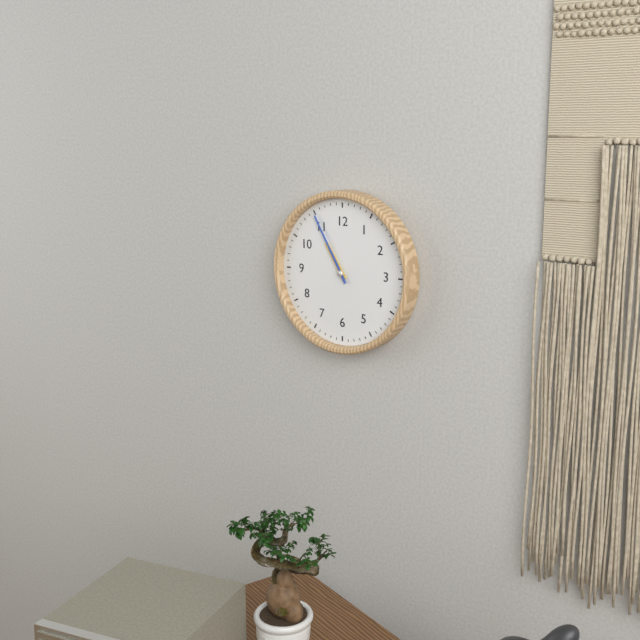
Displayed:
10,55
